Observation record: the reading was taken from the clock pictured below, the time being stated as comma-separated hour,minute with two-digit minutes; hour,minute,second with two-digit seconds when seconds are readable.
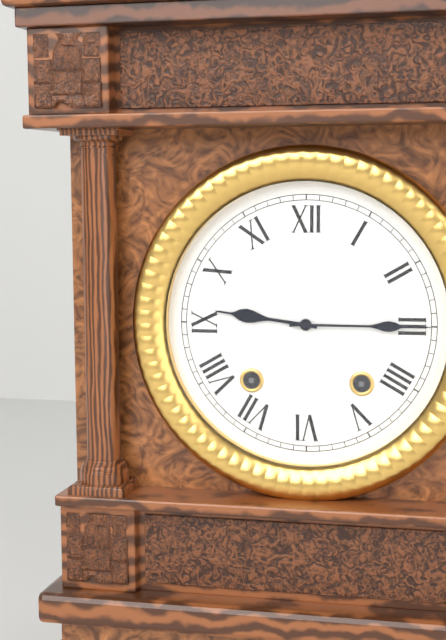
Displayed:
9,15
